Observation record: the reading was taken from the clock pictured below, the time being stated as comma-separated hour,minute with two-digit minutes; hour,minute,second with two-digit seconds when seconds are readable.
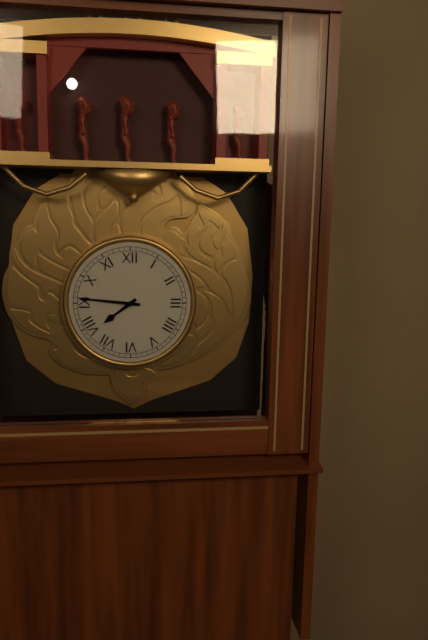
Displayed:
7,46
